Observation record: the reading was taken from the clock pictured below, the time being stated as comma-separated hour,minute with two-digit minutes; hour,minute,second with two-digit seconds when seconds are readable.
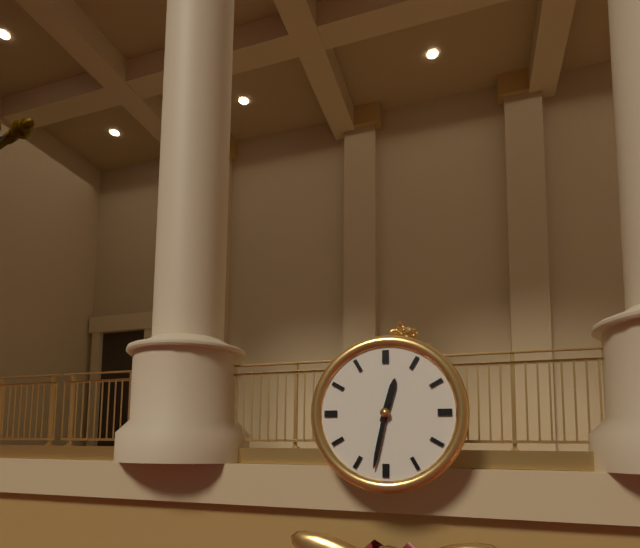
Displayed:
12,32
